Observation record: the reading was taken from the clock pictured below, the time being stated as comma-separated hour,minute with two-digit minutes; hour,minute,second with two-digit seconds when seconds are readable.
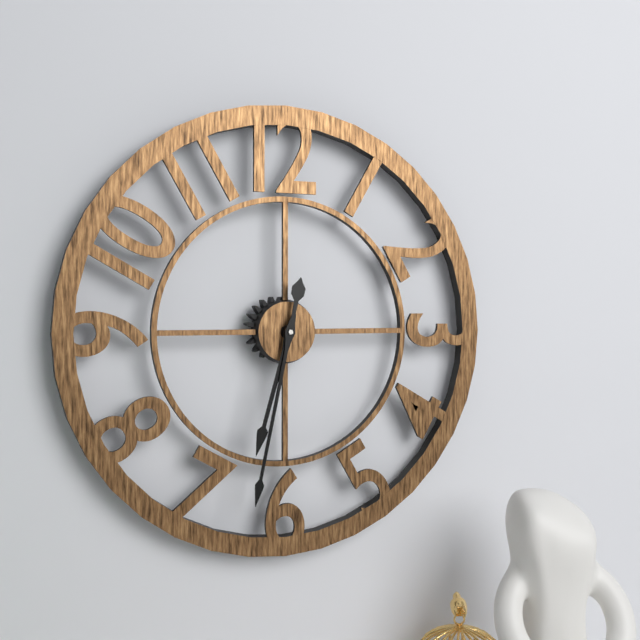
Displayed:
6,32
